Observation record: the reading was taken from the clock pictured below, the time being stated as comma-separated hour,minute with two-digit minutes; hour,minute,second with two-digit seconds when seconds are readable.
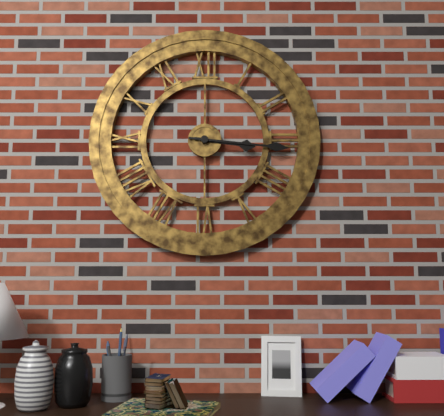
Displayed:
3,16
